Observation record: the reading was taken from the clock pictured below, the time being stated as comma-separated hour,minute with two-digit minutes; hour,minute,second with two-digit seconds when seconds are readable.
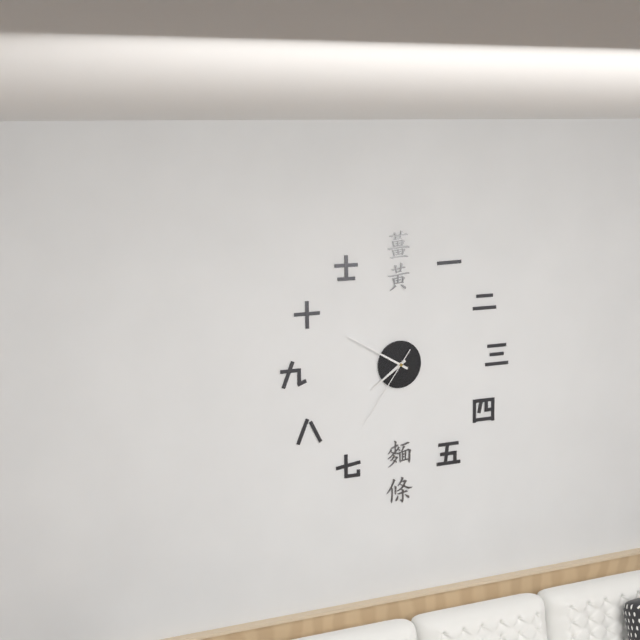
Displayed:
7,50,36
